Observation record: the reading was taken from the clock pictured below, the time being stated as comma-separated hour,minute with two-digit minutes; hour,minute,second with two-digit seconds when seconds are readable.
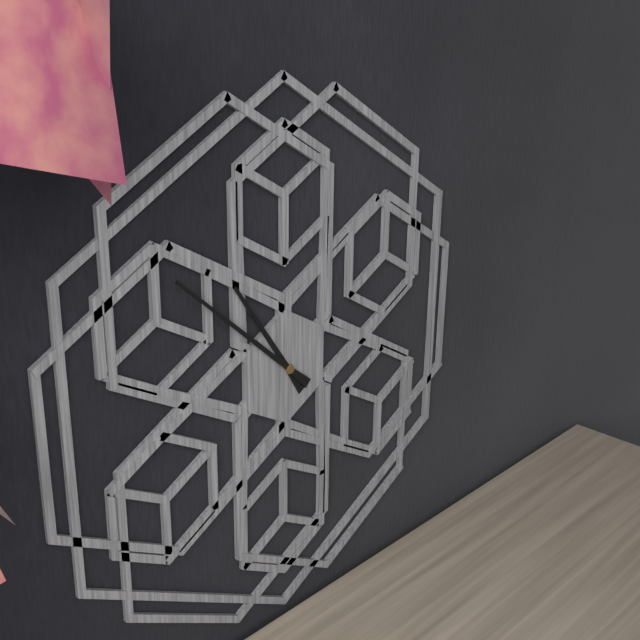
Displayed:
10,52
